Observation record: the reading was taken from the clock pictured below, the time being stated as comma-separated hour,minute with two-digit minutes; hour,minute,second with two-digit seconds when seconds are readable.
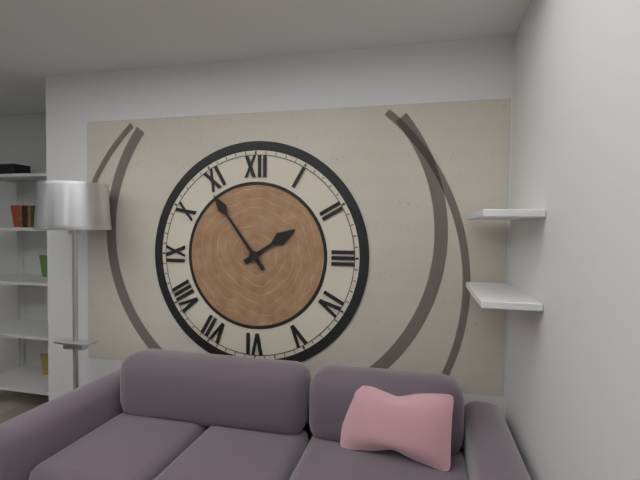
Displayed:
1,54
